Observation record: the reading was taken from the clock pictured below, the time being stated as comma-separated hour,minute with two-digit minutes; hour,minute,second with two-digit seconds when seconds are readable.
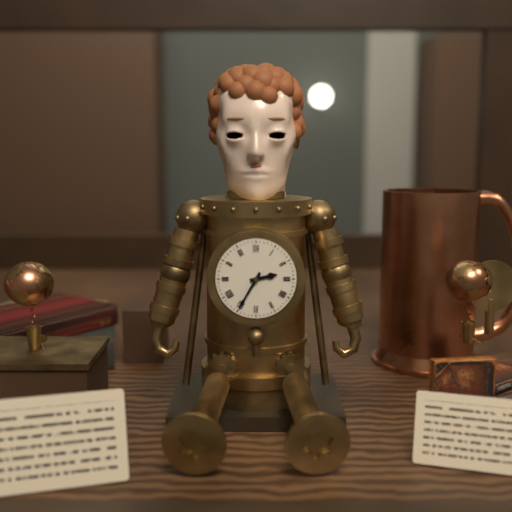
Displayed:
2,35
